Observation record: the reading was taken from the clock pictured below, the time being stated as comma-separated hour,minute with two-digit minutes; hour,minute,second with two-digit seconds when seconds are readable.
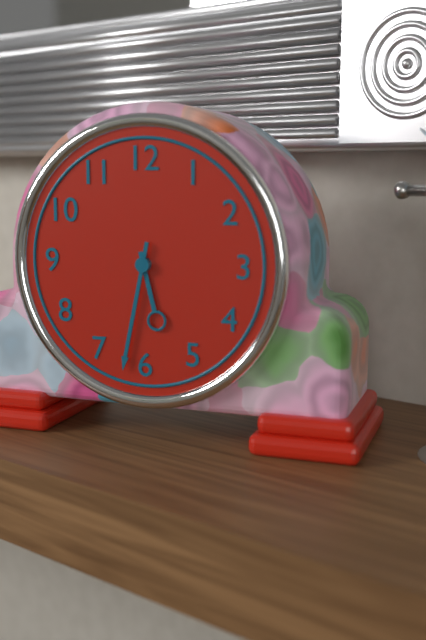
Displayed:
5,32
